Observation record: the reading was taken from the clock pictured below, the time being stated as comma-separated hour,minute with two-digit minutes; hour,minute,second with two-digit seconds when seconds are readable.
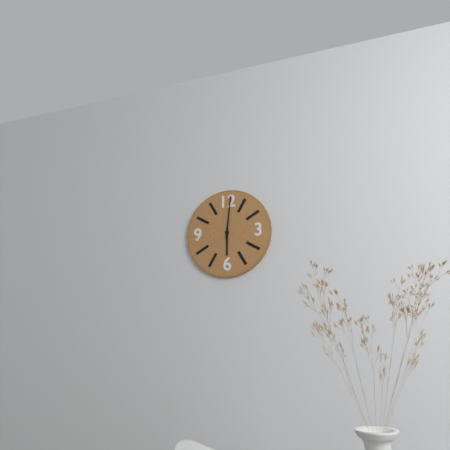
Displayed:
6,01
